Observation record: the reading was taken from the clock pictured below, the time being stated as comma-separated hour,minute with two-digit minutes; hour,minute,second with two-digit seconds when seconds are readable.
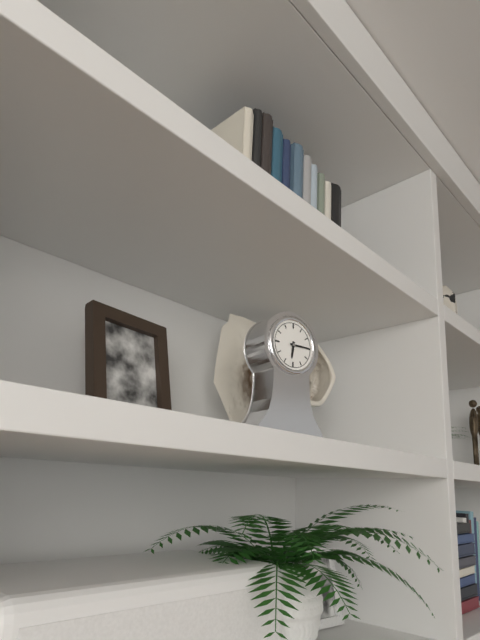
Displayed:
6,15
